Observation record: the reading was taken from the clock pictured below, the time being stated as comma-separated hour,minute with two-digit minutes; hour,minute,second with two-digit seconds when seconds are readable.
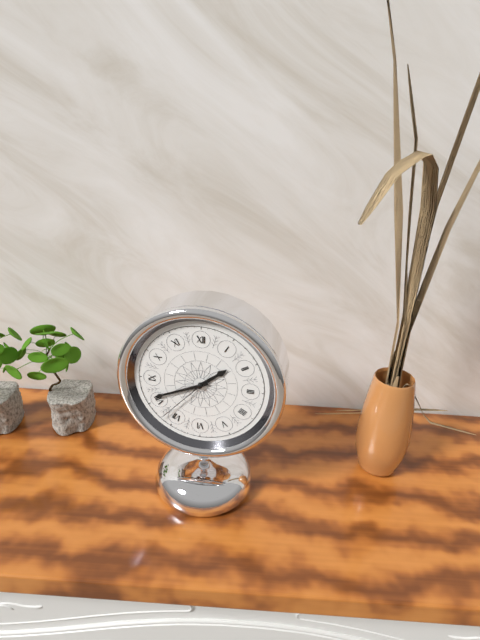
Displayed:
1,41,37
